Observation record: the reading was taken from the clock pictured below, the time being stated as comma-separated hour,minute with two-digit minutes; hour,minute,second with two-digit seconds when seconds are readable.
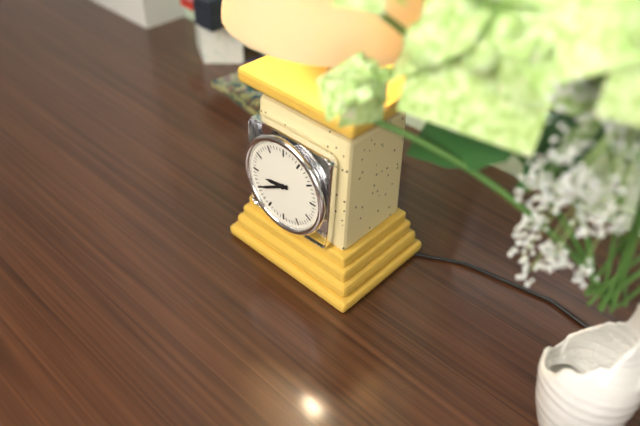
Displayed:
8,40
